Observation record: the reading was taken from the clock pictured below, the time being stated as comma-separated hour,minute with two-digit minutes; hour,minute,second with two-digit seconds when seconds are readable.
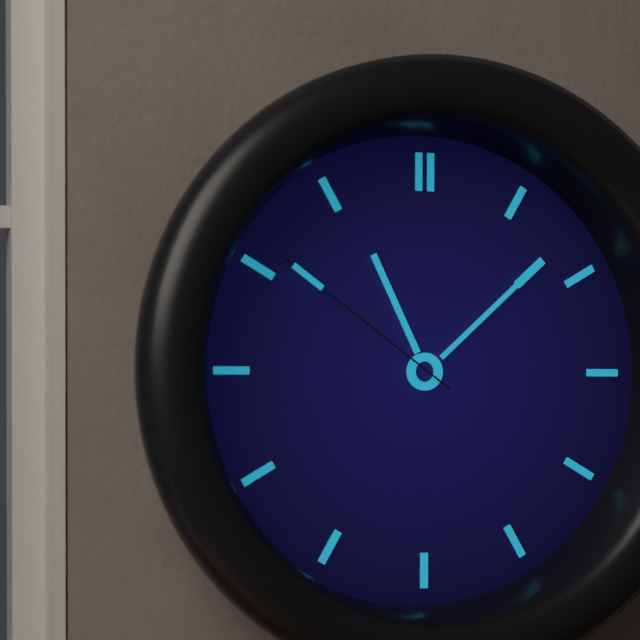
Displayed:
11,08,51
